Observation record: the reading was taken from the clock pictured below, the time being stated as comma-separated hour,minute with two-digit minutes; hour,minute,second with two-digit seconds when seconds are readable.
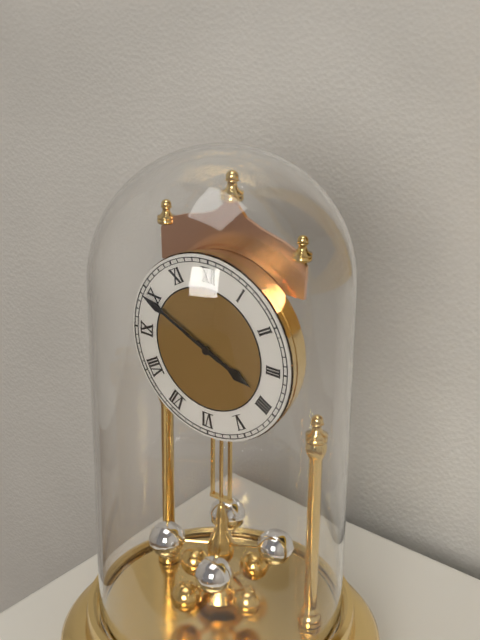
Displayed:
3,49
